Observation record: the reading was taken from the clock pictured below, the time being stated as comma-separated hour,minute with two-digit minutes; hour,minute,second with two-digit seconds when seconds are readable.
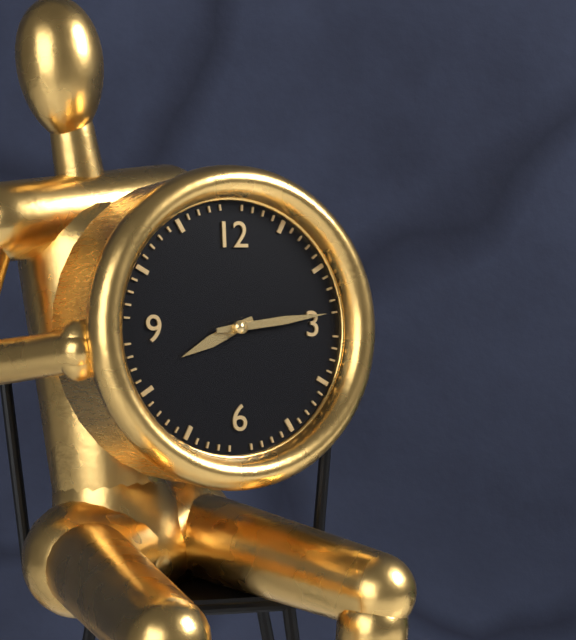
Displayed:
8,14
